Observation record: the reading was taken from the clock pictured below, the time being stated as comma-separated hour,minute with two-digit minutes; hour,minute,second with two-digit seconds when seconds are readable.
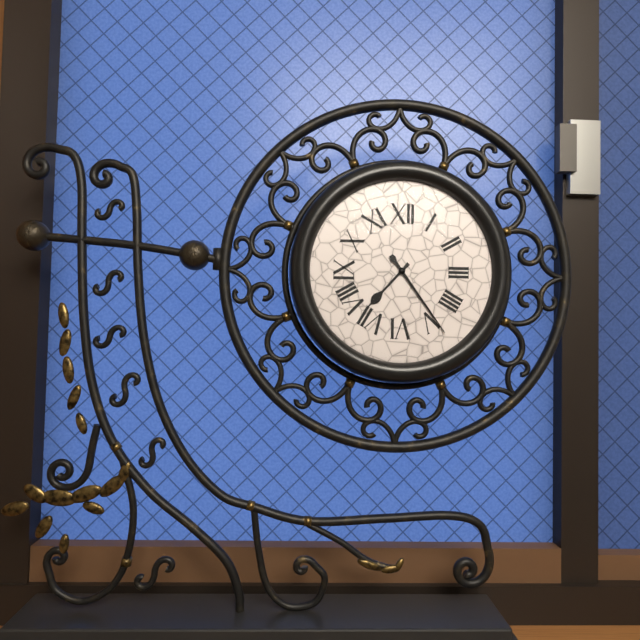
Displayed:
7,24
